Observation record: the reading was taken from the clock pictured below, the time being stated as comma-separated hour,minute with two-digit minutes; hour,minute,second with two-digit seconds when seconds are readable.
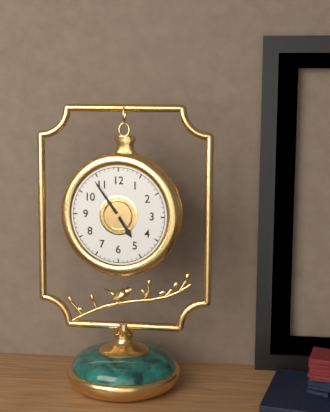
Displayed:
4,54
